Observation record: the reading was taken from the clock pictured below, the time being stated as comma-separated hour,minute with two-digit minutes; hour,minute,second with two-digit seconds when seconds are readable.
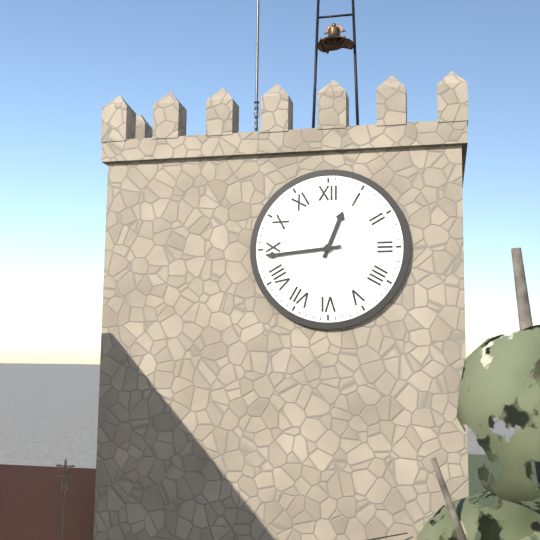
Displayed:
12,44
